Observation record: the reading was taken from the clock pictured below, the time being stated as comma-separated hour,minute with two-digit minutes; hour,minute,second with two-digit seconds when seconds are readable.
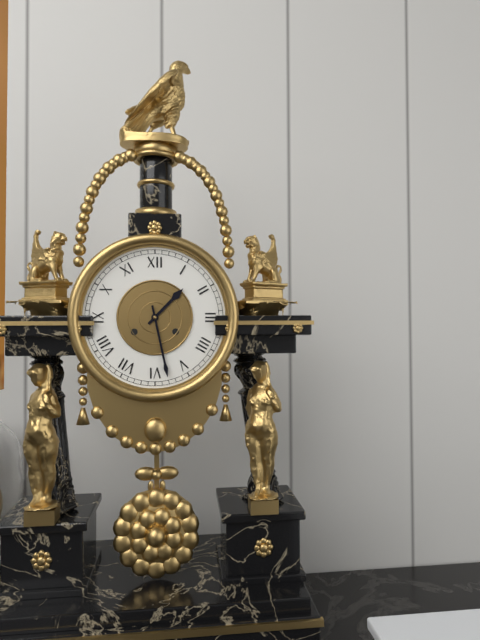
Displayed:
1,28
